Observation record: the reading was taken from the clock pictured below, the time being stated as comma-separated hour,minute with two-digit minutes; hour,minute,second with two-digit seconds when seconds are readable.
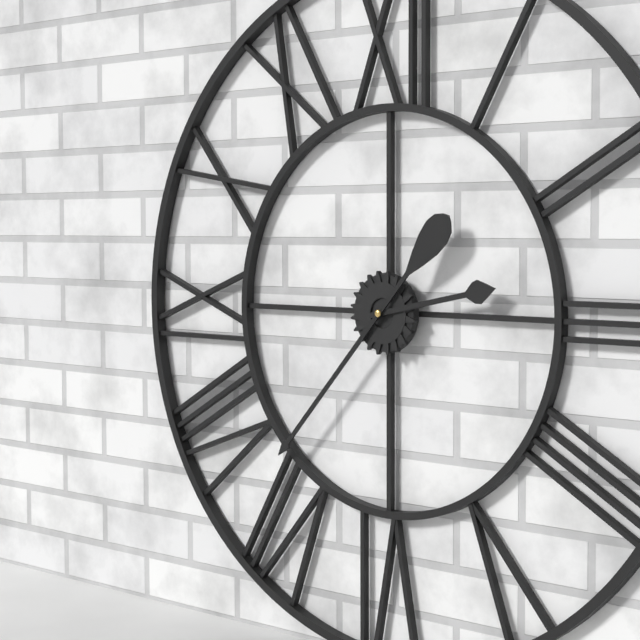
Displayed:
2,37
